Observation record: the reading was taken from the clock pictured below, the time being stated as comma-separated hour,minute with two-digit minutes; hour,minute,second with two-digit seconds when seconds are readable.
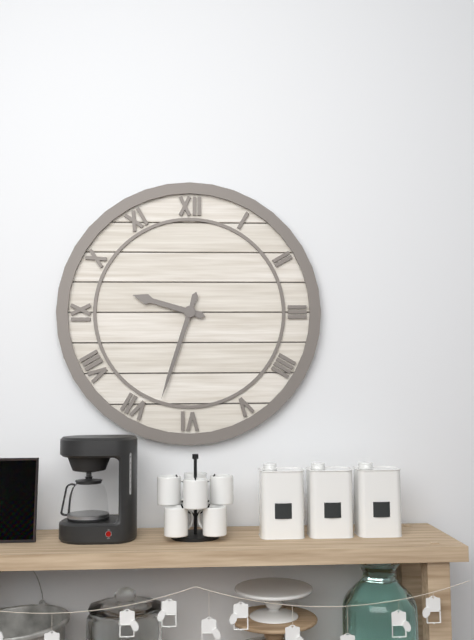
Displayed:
9,33
